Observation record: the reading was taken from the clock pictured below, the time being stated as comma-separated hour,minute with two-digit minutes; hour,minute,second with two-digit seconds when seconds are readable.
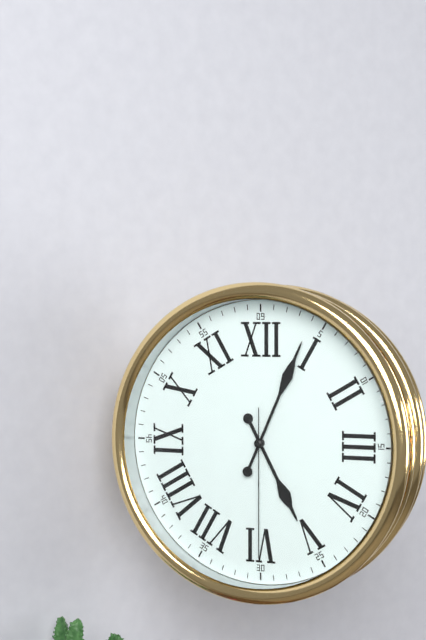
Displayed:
5,04,30
